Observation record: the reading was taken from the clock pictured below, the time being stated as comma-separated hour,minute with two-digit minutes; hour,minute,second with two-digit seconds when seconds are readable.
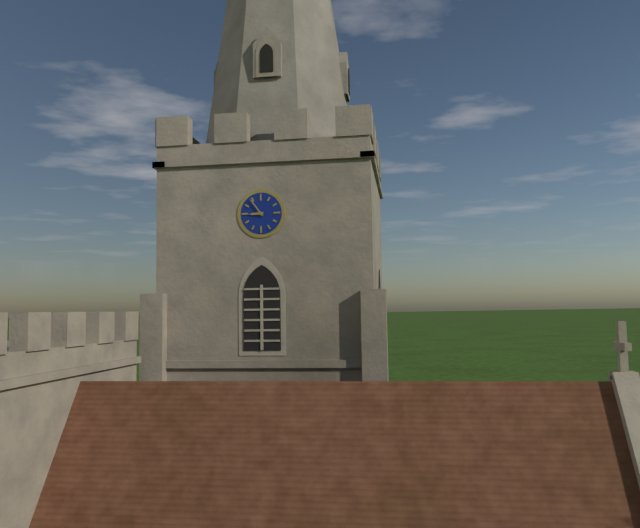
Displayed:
8,54
